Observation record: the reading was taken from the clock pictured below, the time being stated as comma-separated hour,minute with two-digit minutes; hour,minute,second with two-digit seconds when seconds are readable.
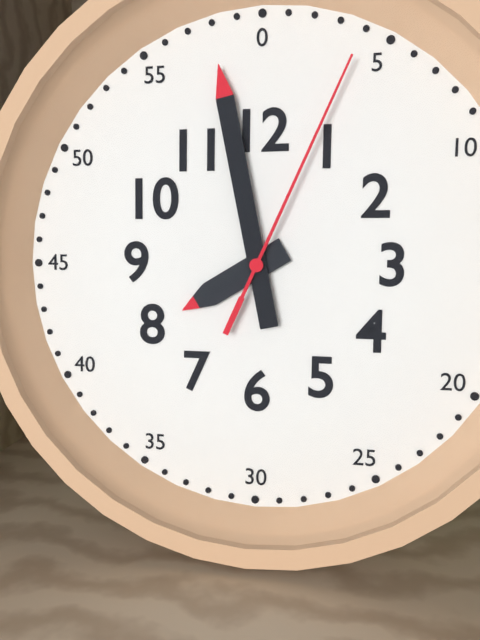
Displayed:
7,58,04
